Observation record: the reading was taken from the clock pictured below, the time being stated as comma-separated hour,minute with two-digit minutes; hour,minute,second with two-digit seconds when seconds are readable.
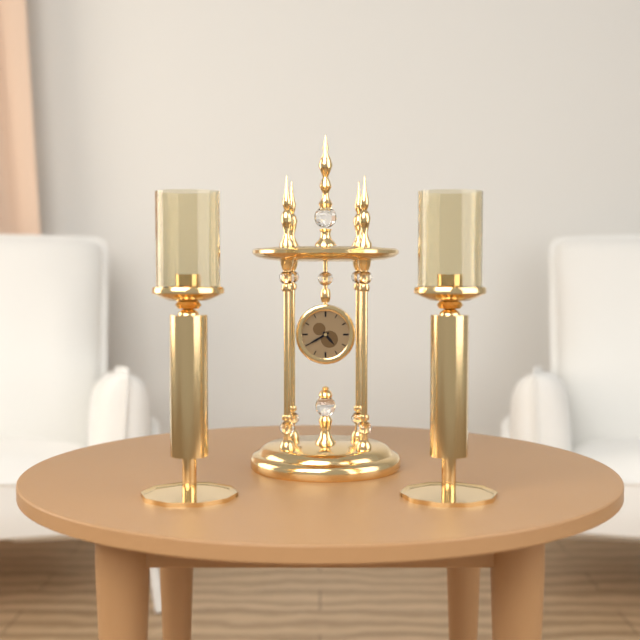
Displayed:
4,40
